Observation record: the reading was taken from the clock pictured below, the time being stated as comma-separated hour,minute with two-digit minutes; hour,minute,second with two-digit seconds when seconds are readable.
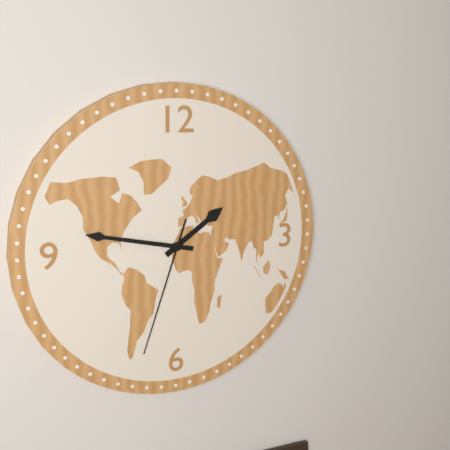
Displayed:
1,47,33
